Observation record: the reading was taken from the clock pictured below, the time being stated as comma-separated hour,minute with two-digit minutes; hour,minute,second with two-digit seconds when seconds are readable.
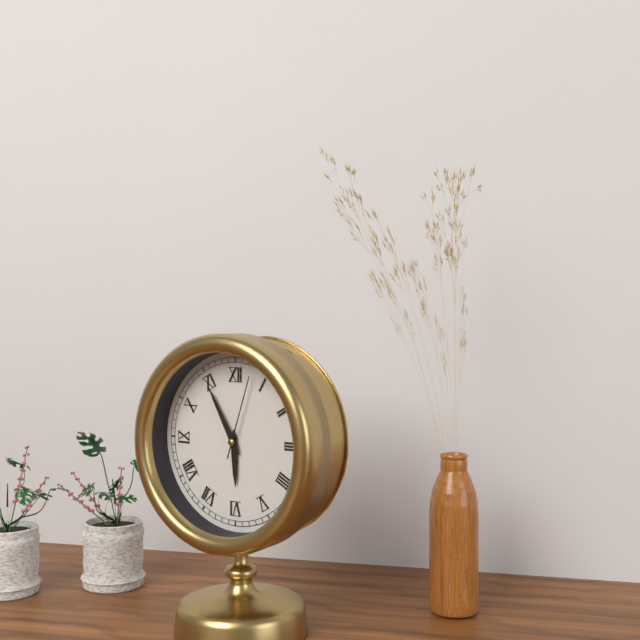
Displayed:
5,55,03
